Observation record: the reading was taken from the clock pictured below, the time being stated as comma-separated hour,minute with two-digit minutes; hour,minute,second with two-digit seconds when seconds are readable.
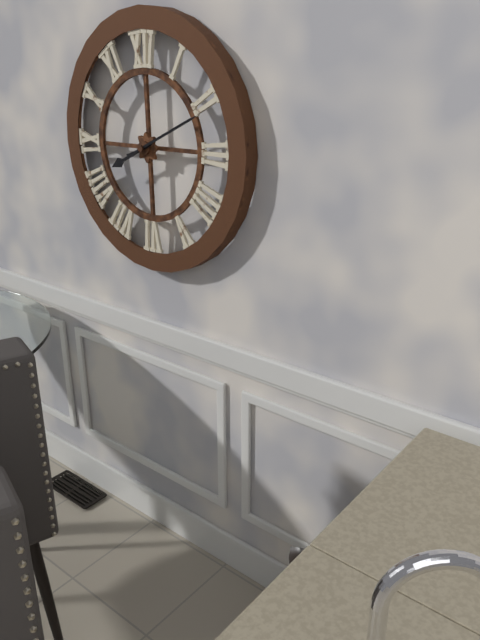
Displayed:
8,11
